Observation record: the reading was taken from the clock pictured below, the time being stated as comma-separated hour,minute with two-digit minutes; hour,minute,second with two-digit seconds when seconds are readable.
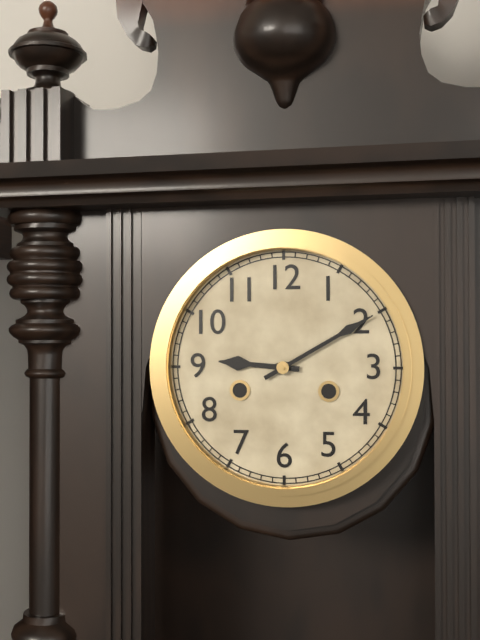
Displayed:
9,10
